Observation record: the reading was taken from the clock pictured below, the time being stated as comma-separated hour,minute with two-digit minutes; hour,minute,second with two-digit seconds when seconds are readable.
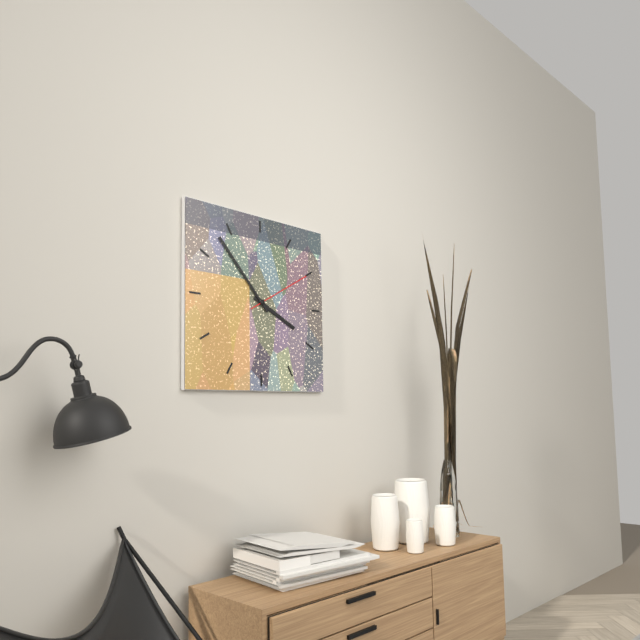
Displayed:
3,53,10
